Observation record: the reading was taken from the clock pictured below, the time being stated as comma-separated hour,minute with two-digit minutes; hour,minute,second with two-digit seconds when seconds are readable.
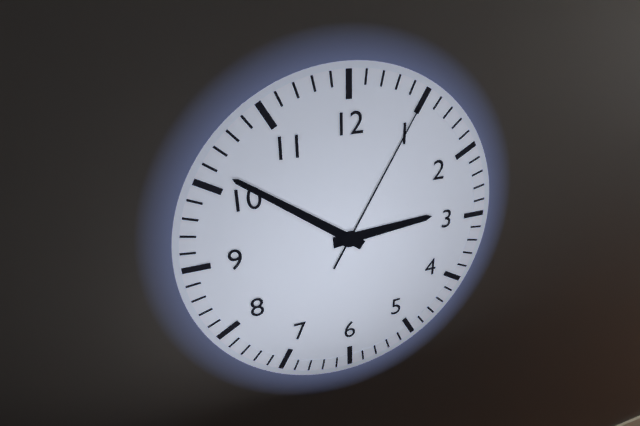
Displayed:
2,51,05
